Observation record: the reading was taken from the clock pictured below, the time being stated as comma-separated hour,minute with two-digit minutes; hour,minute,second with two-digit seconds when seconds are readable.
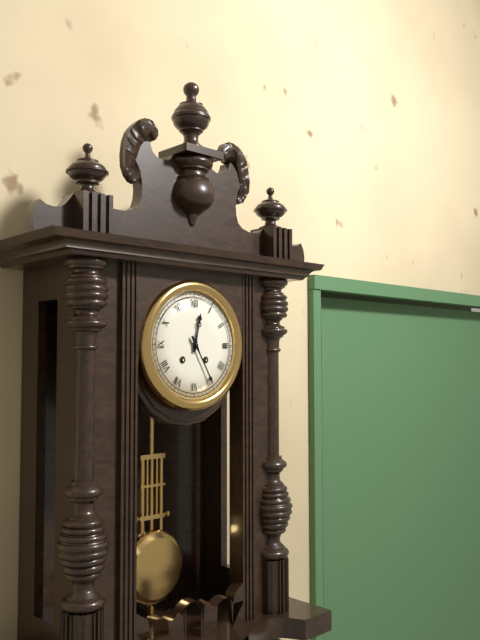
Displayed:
12,25
